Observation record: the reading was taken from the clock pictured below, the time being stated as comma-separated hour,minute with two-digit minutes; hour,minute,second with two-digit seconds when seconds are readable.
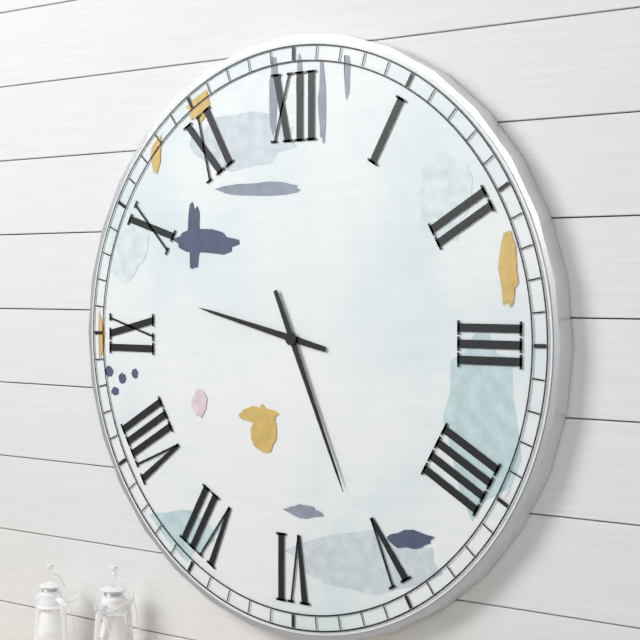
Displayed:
9,26
